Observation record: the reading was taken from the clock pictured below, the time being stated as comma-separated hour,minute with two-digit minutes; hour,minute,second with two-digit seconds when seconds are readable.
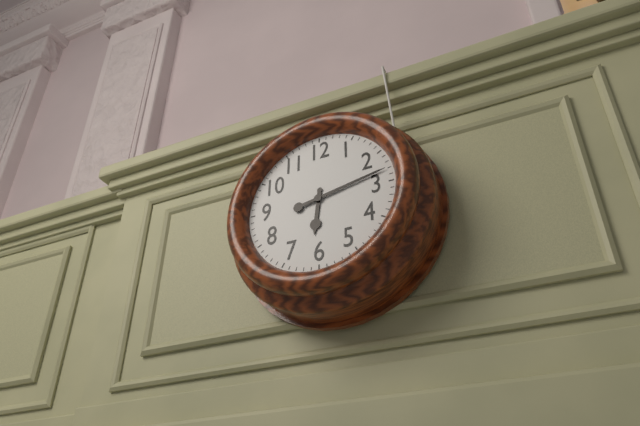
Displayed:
6,13
